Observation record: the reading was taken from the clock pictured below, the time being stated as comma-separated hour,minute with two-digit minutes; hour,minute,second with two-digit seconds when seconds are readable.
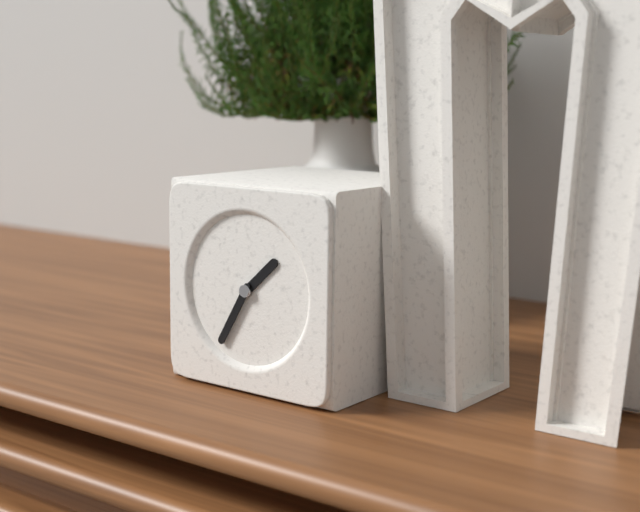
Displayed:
1,35
